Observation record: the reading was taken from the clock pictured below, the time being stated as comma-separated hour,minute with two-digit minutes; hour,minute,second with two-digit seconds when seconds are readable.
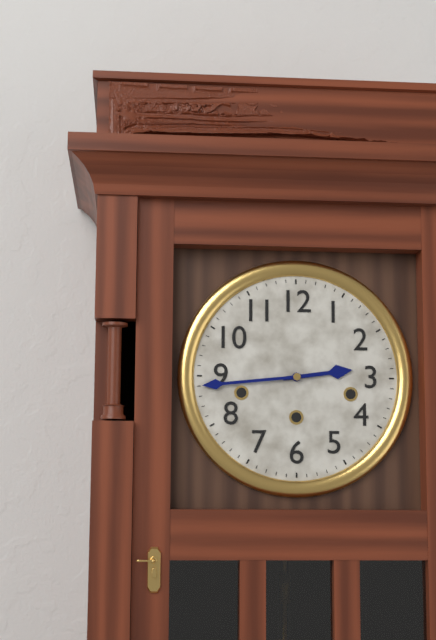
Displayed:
2,44
